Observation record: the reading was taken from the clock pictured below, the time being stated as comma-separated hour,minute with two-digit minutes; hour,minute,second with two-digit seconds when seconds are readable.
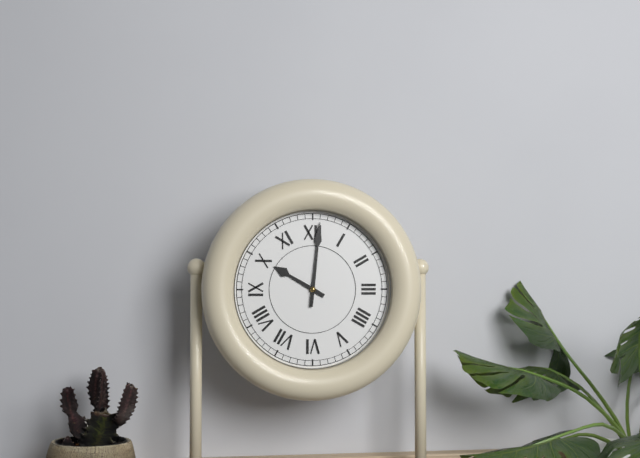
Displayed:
10,01
